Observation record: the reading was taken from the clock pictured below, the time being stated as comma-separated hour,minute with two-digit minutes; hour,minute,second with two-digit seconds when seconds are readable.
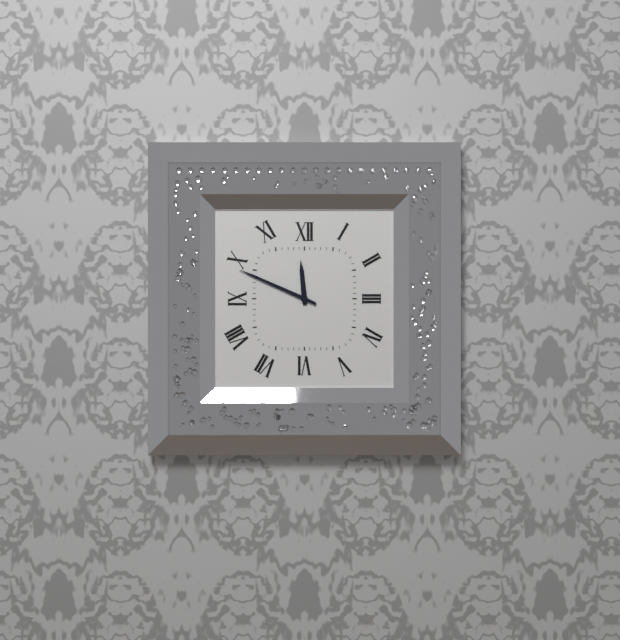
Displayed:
11,49
